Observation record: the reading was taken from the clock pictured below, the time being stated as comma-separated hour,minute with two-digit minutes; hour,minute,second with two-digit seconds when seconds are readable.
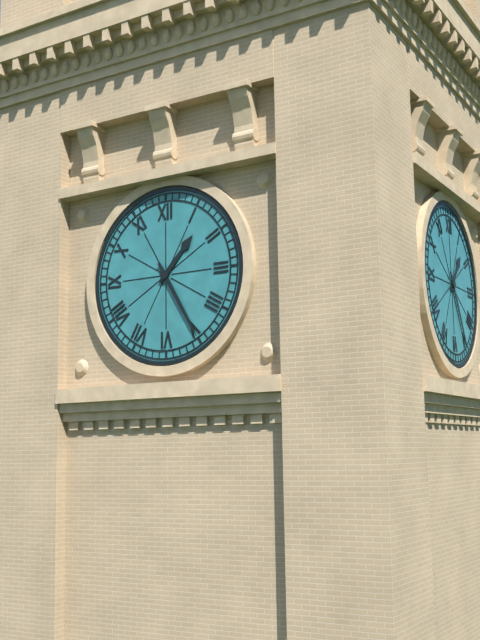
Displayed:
1,25
